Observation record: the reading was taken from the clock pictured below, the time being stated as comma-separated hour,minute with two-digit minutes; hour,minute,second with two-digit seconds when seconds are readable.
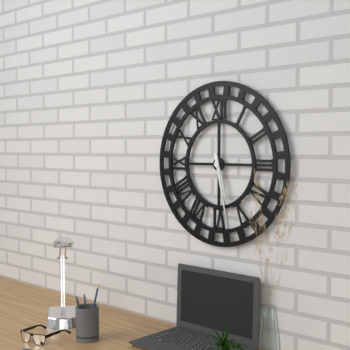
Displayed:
5,28
